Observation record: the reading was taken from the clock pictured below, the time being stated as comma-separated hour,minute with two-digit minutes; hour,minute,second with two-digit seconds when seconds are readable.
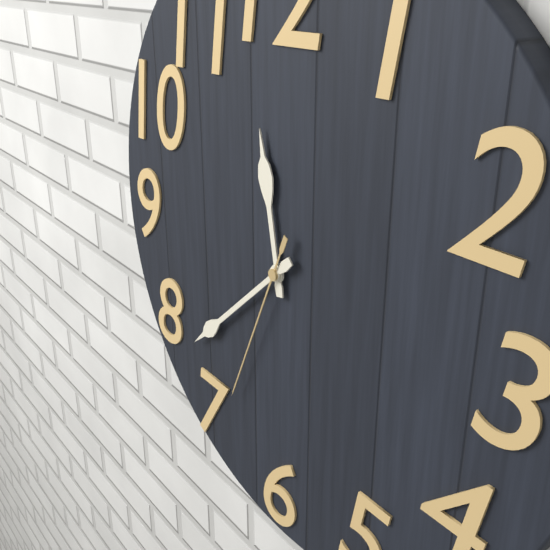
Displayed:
11,38,34
